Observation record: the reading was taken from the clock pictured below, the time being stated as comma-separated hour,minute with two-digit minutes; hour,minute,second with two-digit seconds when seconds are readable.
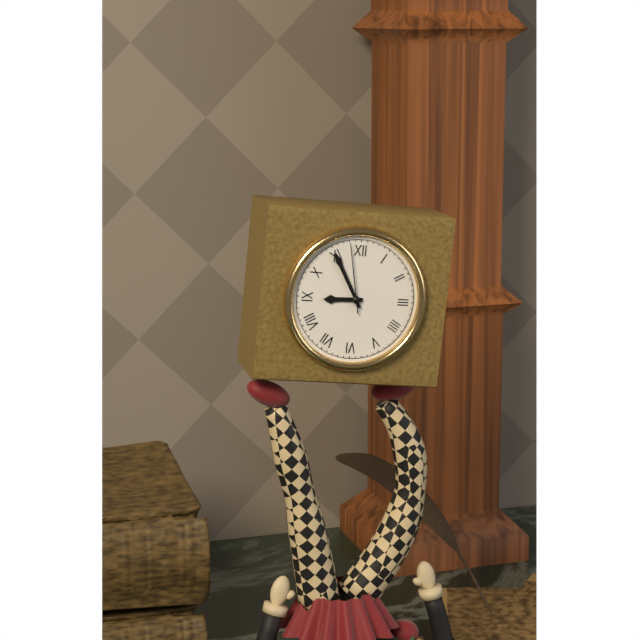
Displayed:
8,55,58
